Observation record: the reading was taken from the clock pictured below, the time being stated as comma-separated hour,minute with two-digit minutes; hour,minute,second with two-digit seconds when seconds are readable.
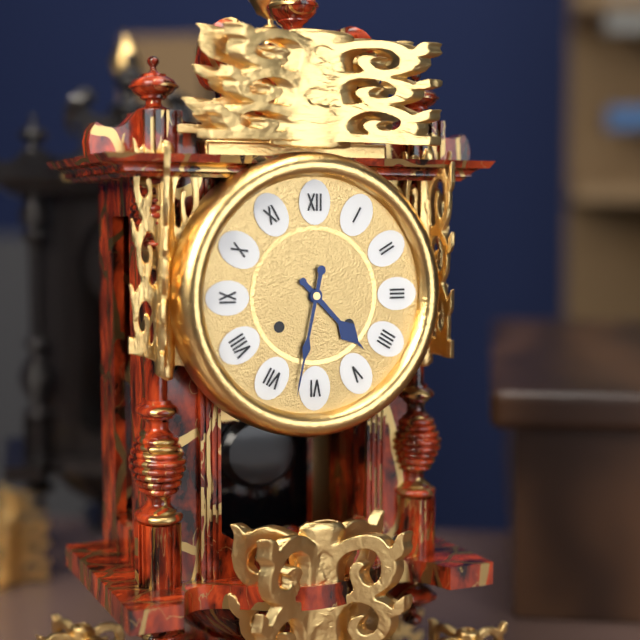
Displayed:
4,32
